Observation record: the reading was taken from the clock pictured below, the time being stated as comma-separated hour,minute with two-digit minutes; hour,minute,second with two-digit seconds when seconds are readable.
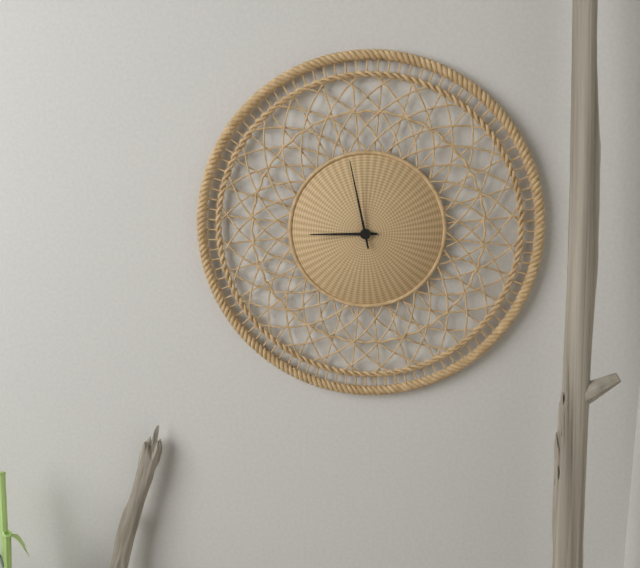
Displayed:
8,58
